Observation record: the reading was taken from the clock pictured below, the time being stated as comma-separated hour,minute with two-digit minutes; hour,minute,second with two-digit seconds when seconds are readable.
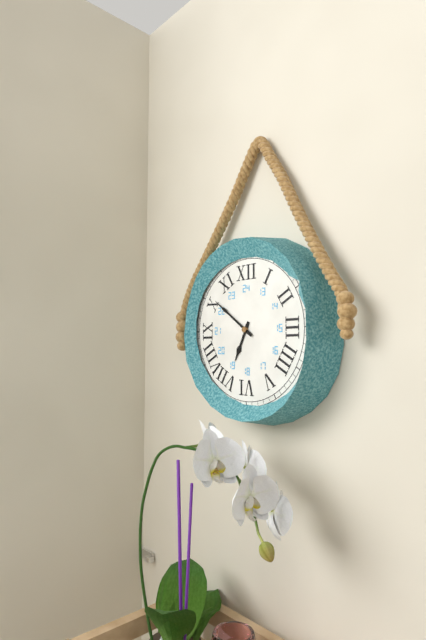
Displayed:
6,51
